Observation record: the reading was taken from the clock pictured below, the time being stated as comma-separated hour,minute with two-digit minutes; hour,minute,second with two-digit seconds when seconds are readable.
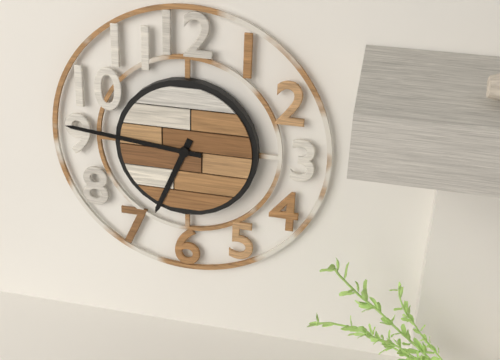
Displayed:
6,46
